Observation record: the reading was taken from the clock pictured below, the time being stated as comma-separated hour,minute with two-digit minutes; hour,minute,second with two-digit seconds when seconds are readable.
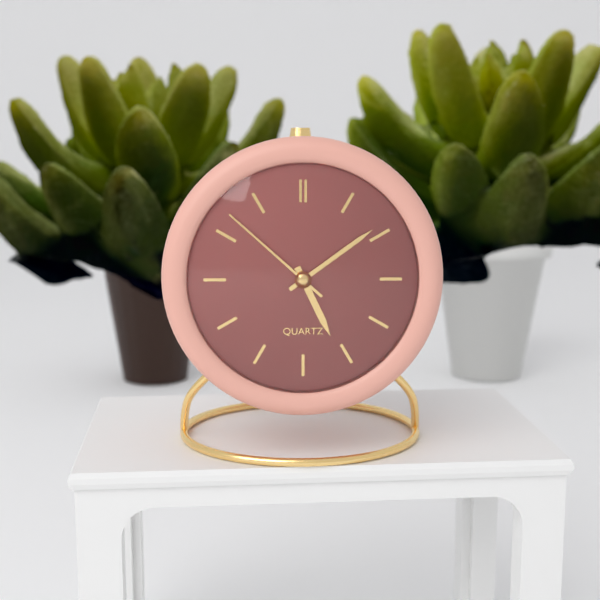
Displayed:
5,09,52
